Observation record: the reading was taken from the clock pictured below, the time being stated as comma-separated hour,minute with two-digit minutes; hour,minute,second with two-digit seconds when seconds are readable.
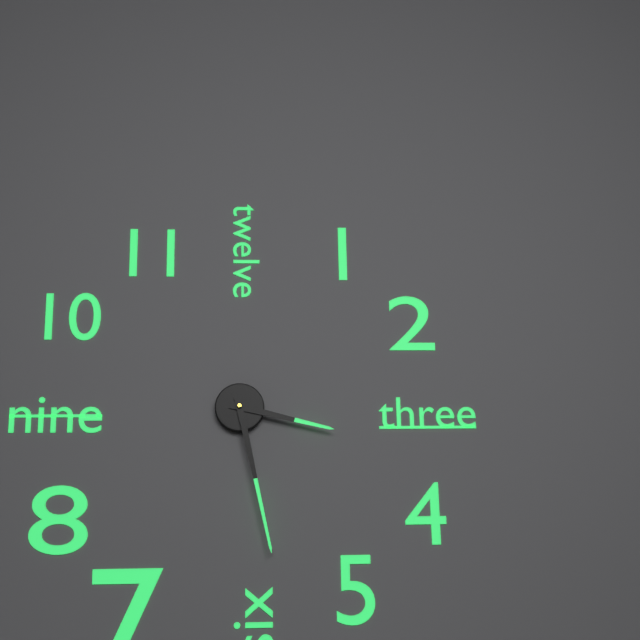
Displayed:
3,28
